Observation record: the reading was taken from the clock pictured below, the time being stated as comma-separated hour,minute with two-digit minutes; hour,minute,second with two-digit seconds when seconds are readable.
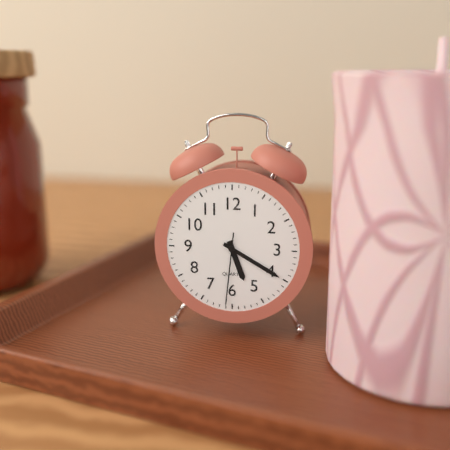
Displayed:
5,20,31
